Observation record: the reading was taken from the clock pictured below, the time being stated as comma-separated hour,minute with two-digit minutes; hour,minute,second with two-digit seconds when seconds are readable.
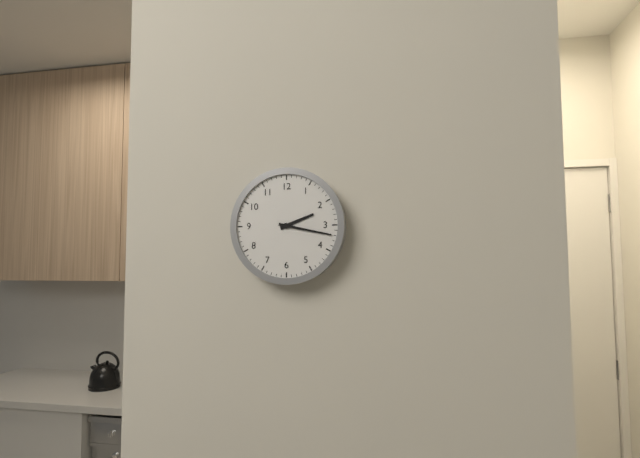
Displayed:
2,17
